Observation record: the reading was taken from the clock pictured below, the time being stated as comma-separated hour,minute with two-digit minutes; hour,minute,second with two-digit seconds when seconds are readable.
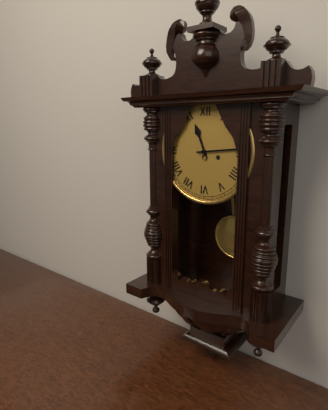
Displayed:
11,14
